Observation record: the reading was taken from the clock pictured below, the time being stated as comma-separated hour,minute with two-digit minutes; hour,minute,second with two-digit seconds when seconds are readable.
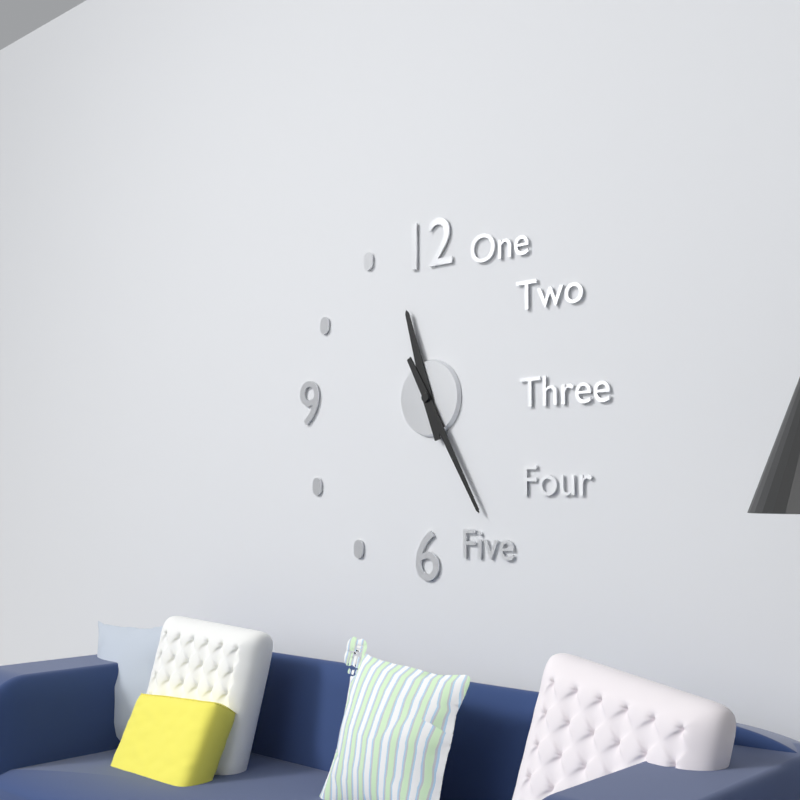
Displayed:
11,25
